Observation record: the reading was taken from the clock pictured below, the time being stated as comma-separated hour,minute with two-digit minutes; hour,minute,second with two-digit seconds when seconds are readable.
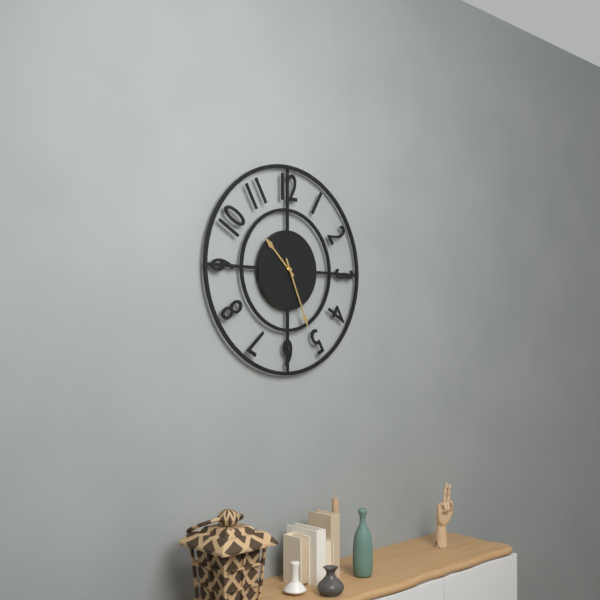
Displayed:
10,26
